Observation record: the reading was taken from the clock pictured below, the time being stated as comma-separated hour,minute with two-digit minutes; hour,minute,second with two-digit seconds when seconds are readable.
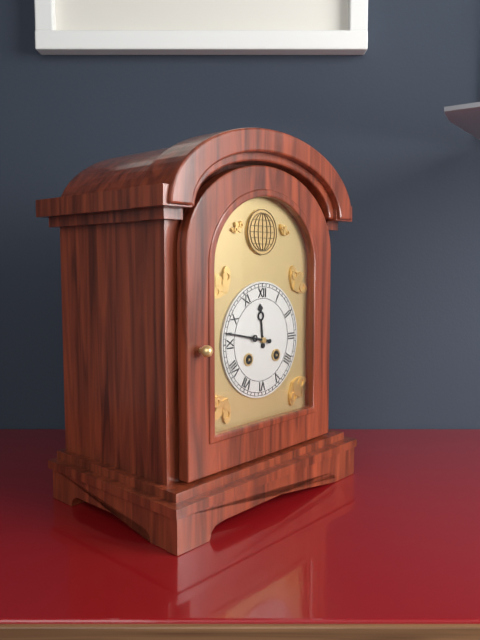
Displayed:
11,47
